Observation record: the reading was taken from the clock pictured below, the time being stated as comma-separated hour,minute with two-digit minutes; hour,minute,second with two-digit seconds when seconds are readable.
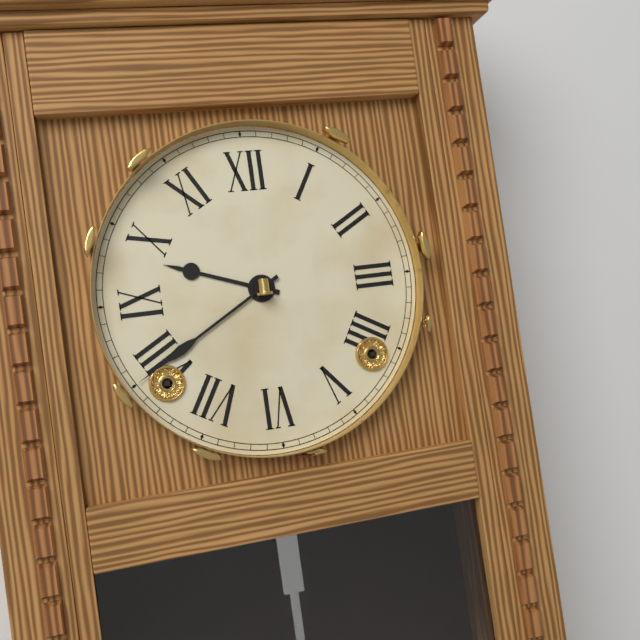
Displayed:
9,40
